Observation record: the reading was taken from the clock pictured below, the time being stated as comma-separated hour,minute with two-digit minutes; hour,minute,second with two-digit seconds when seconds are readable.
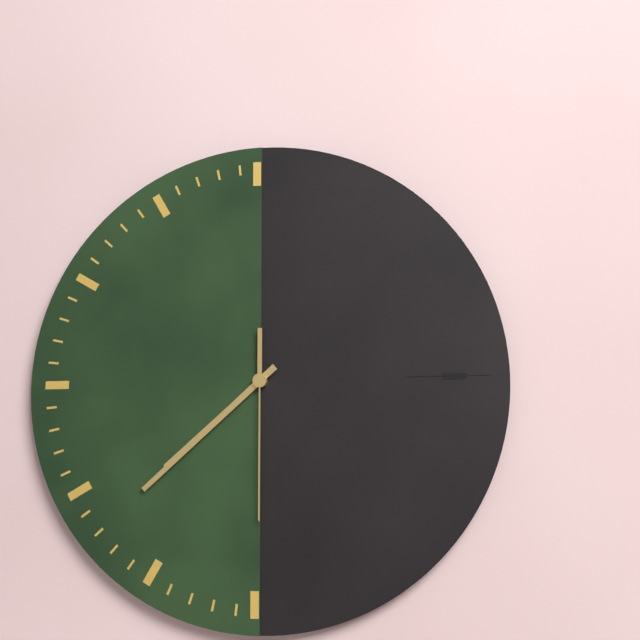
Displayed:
7,38,30
